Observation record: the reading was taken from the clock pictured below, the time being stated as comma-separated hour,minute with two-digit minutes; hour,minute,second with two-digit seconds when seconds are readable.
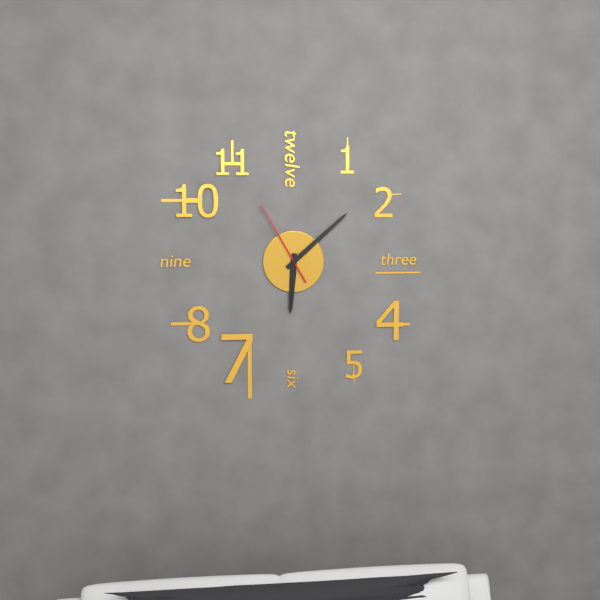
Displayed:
6,08,55
